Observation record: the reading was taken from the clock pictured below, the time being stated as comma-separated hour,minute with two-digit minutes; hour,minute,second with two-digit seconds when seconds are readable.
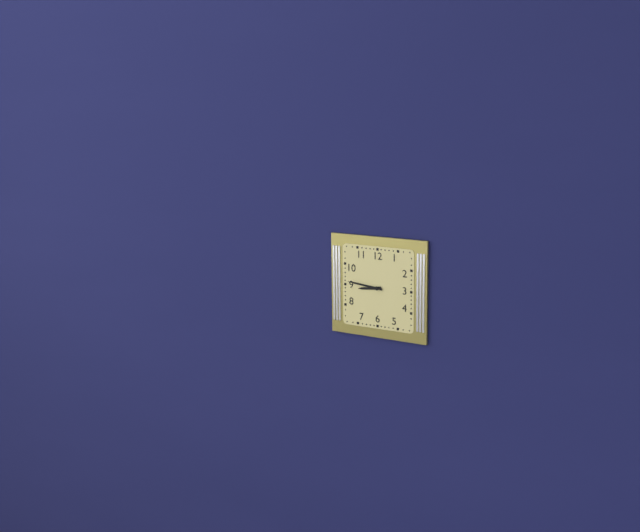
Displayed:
8,46
